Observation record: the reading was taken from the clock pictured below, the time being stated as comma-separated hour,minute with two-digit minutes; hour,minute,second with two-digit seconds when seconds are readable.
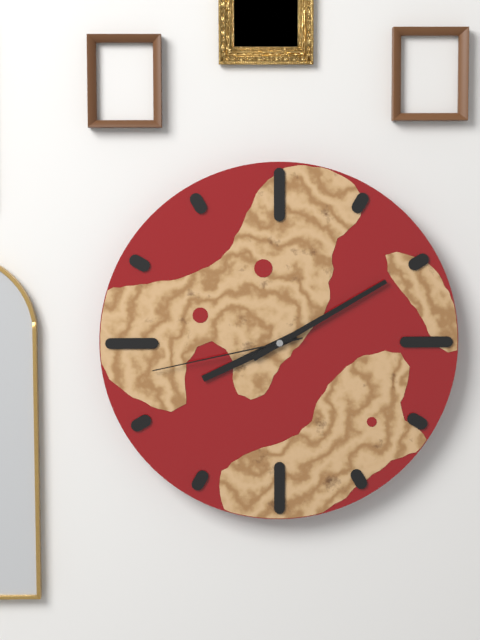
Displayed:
8,10,43
